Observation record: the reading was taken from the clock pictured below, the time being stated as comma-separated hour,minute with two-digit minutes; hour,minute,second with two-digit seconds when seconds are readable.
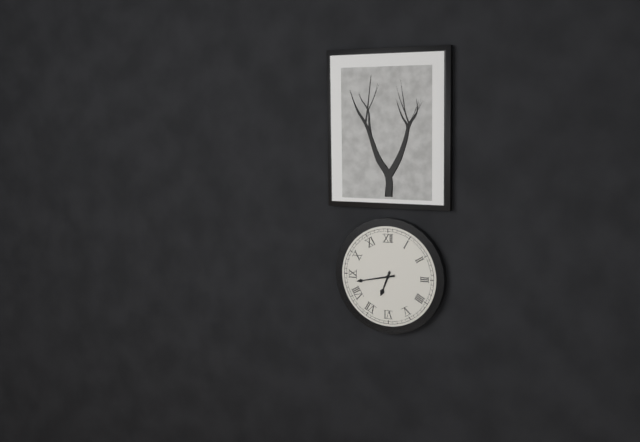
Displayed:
6,43
